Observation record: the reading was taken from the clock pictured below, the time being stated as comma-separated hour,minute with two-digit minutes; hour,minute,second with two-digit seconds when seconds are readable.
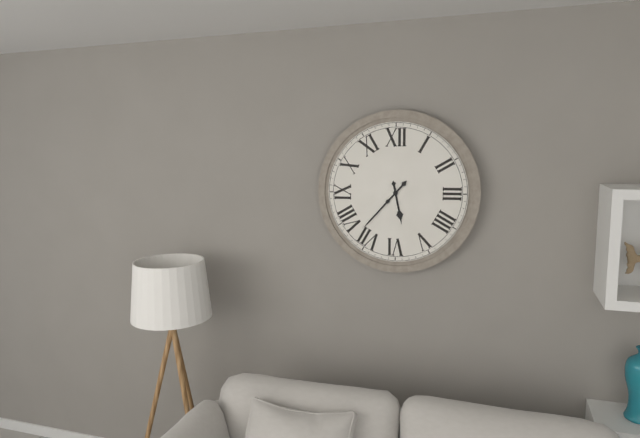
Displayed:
5,37
